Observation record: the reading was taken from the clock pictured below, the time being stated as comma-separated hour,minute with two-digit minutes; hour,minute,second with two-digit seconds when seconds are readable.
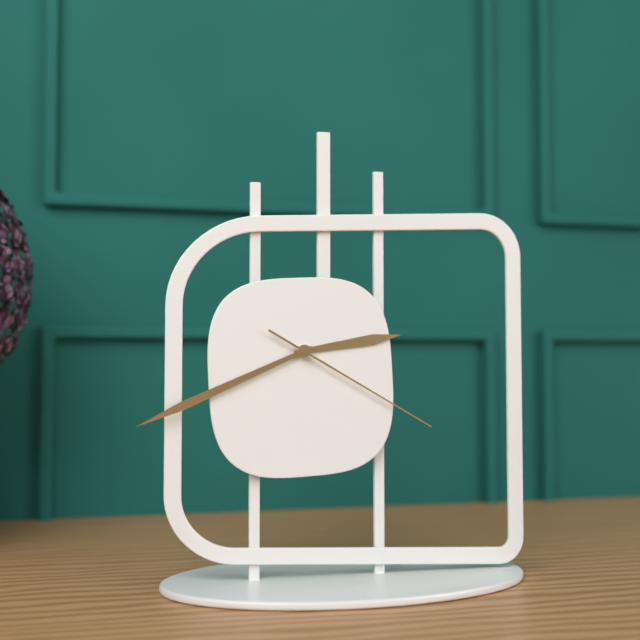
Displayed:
2,41,20
